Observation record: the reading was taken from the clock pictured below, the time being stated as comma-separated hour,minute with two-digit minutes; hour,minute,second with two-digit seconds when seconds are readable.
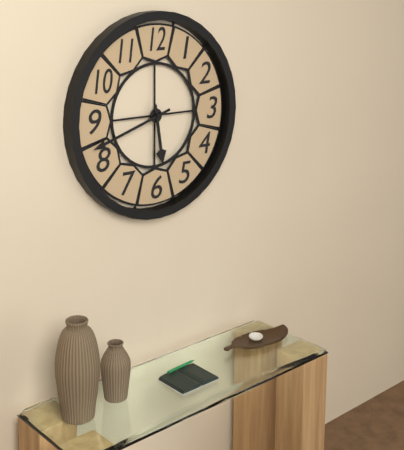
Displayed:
5,42
